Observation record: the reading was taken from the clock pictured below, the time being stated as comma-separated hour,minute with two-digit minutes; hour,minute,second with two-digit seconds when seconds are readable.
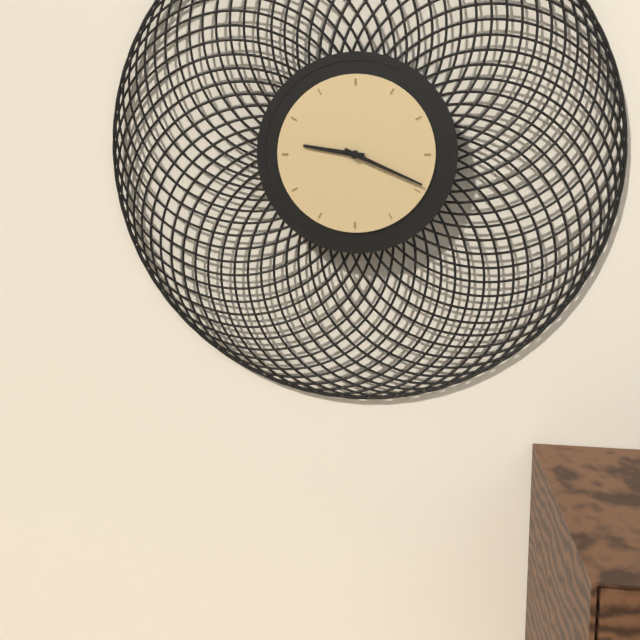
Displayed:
9,19
